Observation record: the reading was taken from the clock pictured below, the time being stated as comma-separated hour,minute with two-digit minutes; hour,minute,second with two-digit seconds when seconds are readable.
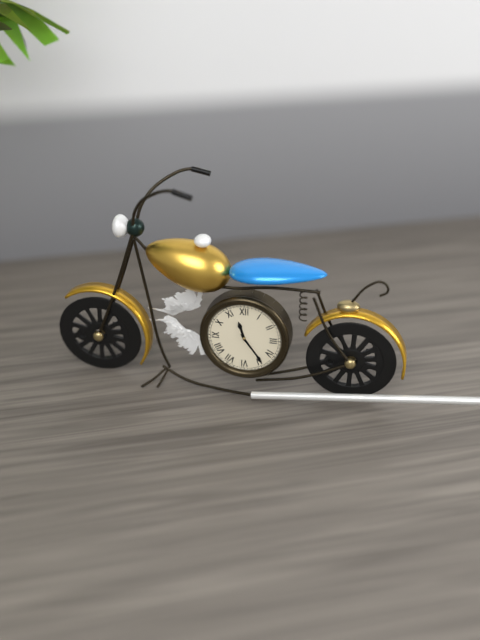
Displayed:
11,24
